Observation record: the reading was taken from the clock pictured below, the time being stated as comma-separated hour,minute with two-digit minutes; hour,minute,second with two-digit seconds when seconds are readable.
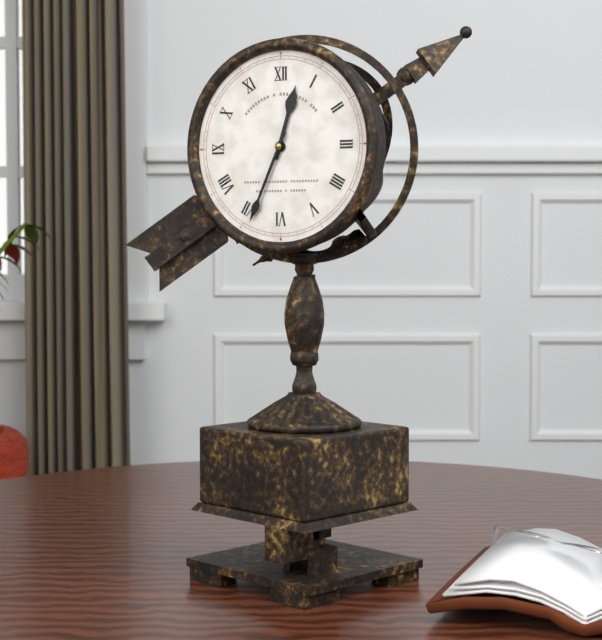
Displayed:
12,34
